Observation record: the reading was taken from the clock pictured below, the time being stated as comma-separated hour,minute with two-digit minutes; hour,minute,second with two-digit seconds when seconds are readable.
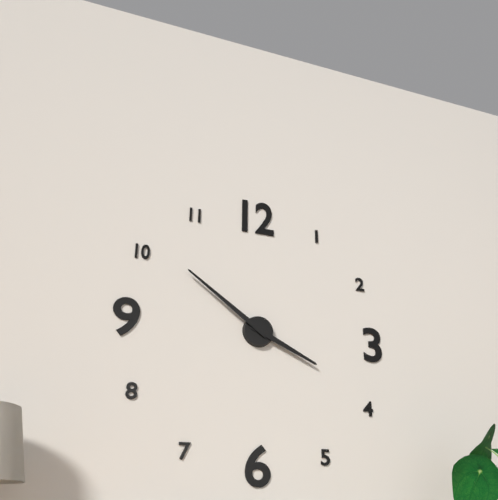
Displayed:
3,51
